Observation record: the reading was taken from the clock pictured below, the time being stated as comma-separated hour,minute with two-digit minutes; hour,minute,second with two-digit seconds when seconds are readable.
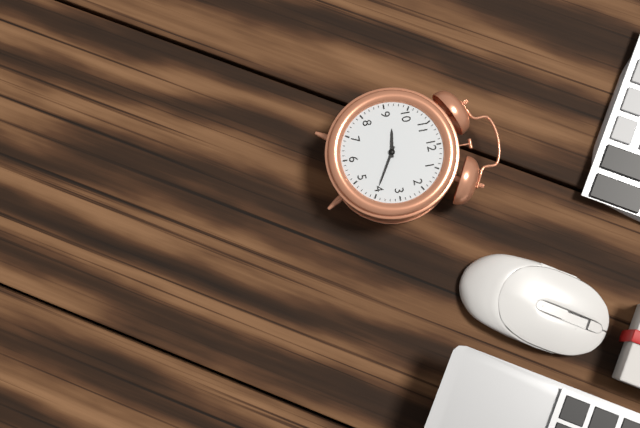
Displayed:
9,20
